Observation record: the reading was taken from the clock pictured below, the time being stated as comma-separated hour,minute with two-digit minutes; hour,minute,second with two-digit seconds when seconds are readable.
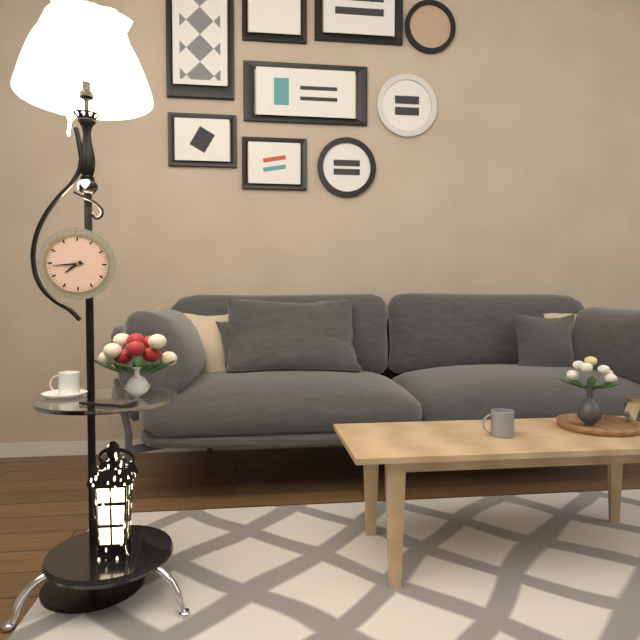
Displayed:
7,44
